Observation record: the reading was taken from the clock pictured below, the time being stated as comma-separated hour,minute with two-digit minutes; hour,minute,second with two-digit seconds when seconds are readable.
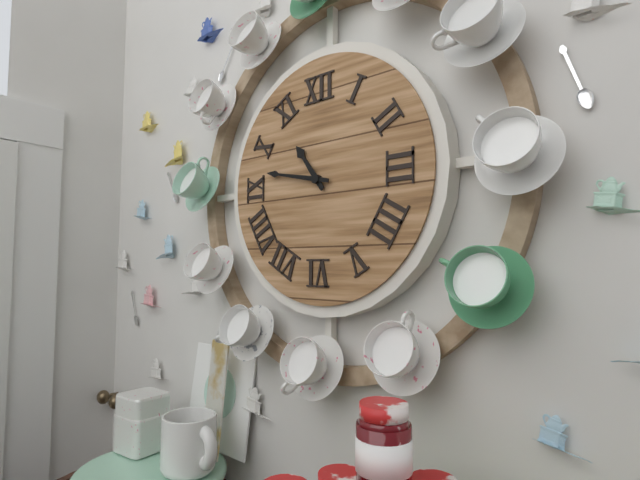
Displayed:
10,47
